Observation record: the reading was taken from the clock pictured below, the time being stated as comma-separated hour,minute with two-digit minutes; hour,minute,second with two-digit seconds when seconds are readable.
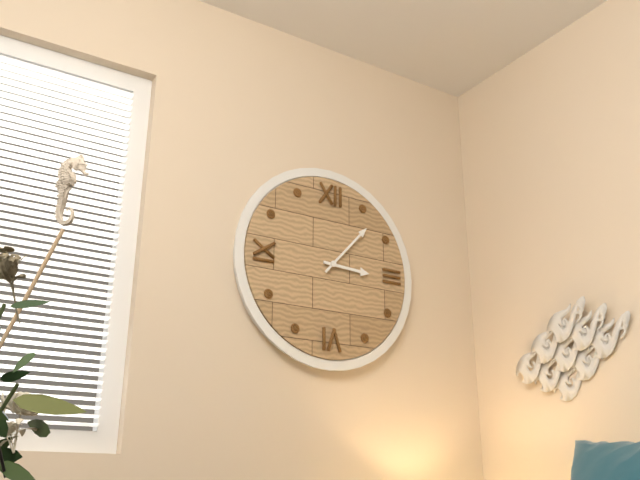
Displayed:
3,07
